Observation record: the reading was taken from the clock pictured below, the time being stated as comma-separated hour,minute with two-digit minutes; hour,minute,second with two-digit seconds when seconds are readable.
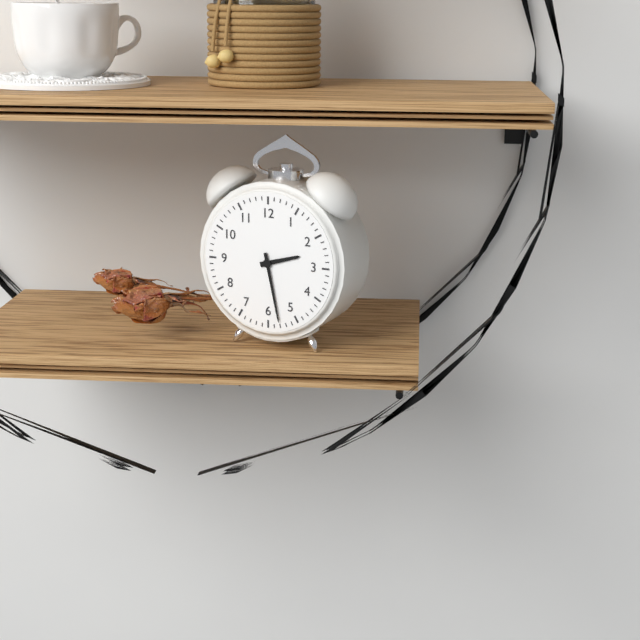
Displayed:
2,28
